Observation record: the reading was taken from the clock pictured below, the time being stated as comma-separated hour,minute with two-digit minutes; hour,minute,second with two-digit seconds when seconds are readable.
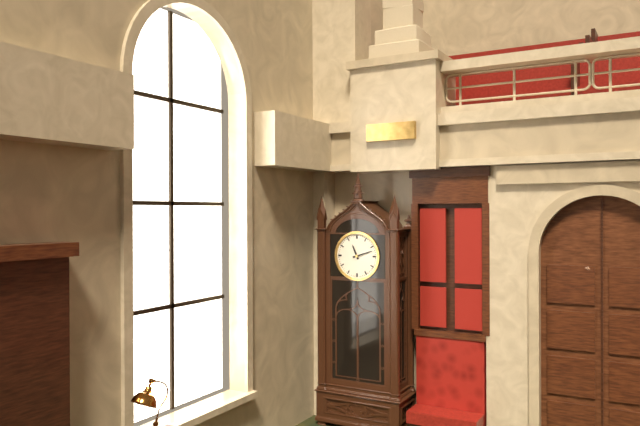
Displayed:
11,12
